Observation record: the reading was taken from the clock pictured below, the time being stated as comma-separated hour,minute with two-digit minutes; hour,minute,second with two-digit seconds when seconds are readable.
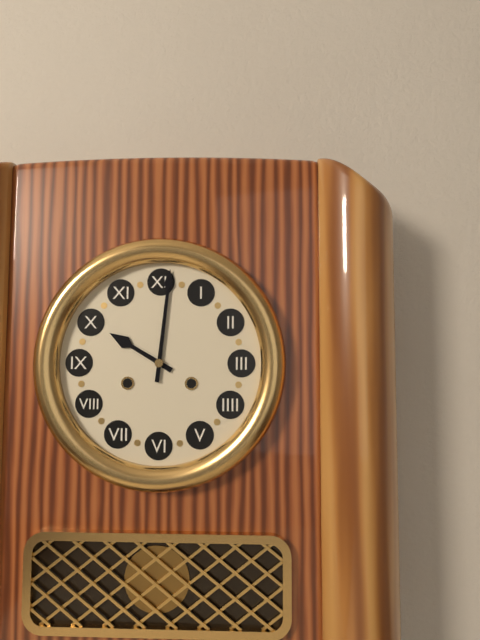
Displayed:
10,01
